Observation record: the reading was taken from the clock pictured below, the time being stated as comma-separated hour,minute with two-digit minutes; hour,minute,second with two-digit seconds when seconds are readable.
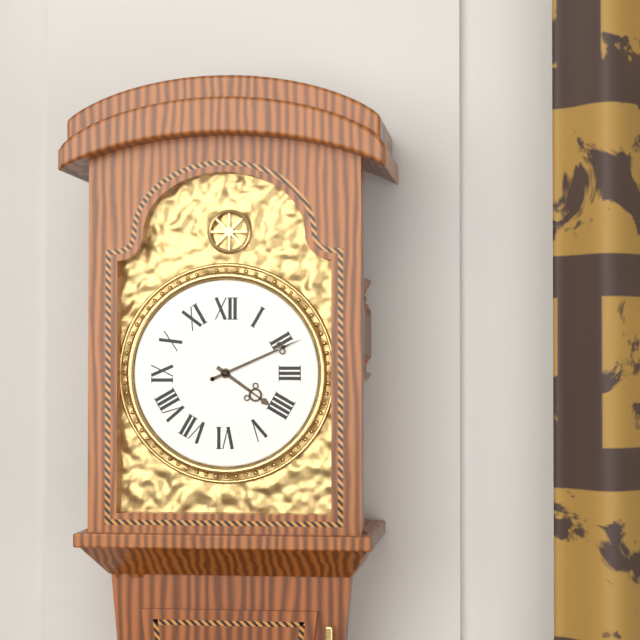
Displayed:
4,11
